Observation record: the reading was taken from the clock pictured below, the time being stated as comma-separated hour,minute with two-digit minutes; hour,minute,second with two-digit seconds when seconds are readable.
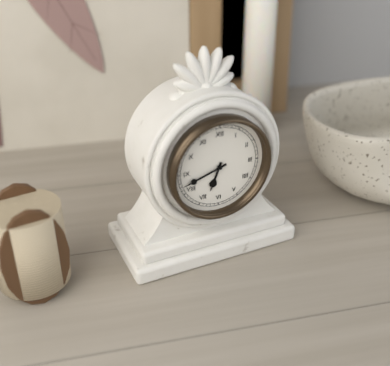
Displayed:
6,42
